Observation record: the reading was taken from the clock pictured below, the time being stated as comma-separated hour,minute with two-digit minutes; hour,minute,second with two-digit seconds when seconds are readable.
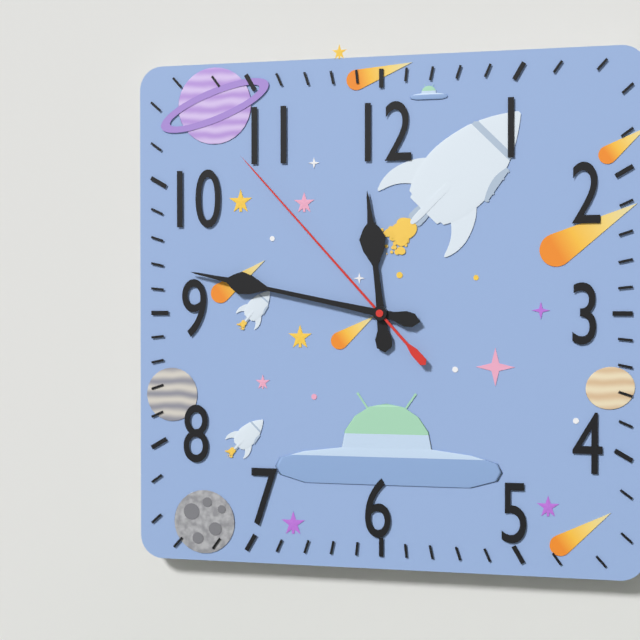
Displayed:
11,47,53
